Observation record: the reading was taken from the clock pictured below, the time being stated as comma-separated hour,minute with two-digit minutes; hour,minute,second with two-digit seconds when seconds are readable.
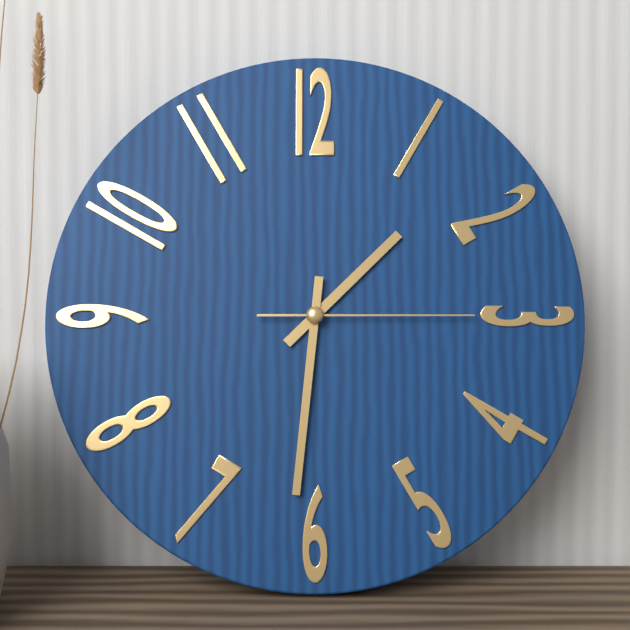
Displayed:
1,31,15
